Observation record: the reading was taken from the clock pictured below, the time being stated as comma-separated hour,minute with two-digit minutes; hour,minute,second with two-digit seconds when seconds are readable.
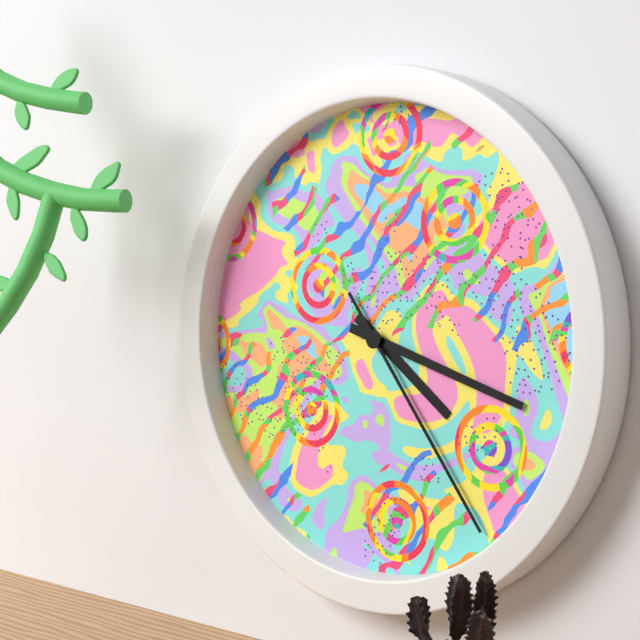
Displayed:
4,18,24
